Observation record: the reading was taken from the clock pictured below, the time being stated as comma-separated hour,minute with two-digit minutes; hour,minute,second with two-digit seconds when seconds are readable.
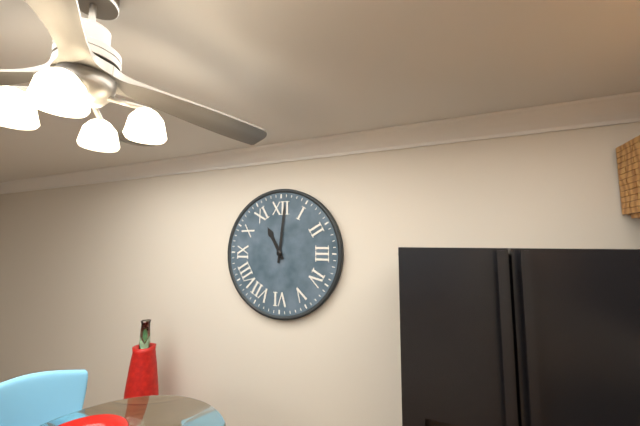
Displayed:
11,01
